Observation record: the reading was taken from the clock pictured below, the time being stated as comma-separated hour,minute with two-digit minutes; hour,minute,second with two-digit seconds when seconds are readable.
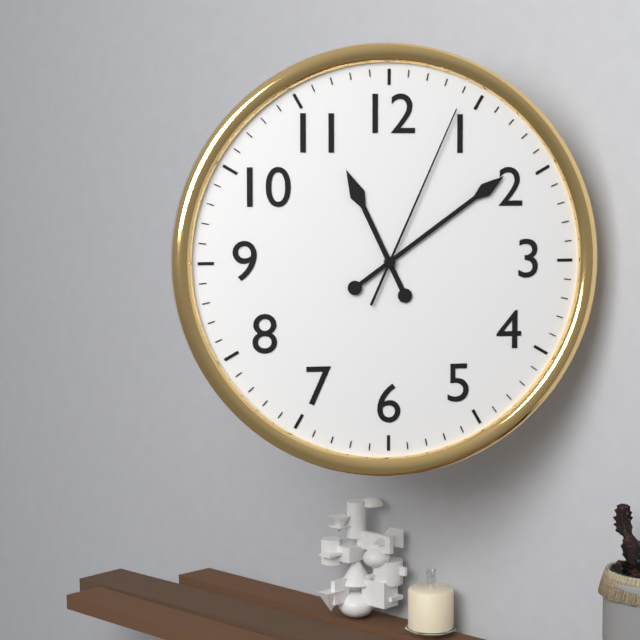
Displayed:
11,09,04
